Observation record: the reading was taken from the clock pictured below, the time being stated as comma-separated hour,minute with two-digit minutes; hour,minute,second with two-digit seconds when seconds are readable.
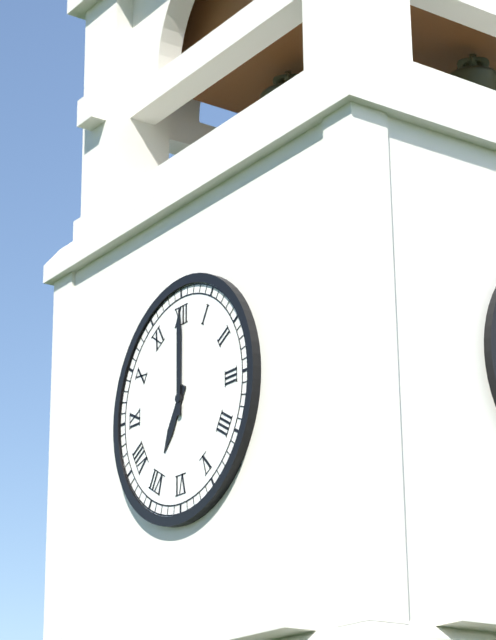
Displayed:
7,00
